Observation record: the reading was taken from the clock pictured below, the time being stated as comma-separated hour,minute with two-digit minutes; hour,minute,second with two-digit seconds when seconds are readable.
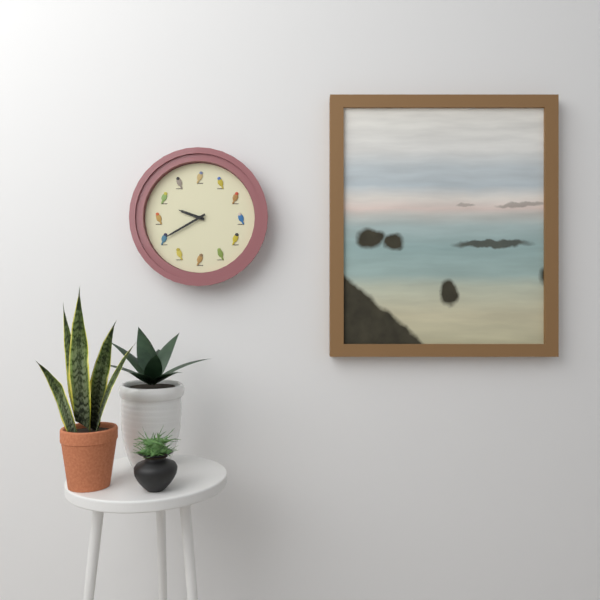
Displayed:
9,40
